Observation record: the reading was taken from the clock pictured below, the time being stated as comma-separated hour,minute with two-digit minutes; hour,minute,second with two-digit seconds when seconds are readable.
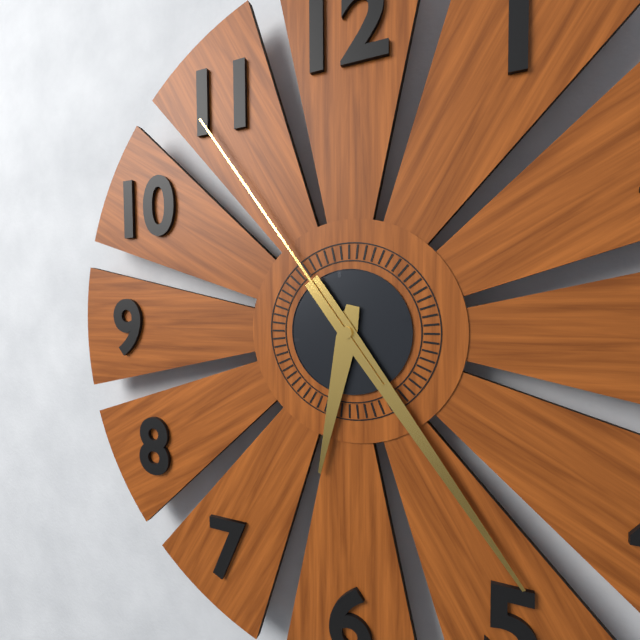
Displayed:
6,24,54
